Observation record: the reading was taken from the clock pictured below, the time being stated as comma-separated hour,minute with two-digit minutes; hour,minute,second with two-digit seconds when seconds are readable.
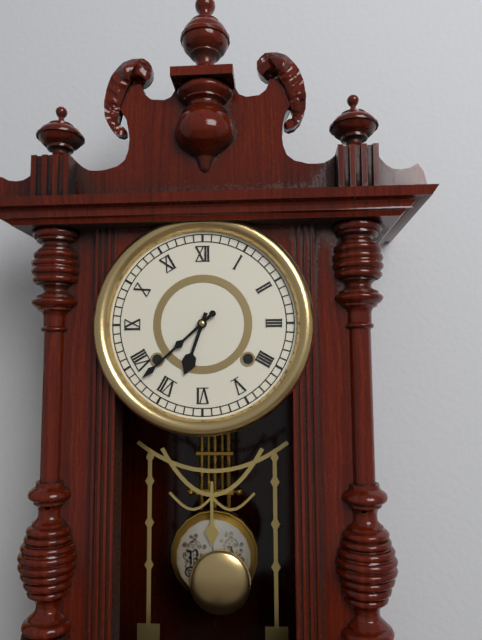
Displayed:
6,38
